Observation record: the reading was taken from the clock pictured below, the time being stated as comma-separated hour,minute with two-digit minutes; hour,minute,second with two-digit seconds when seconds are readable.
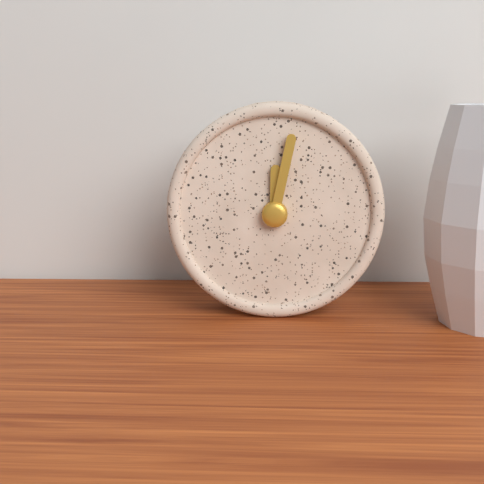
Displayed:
12,02
